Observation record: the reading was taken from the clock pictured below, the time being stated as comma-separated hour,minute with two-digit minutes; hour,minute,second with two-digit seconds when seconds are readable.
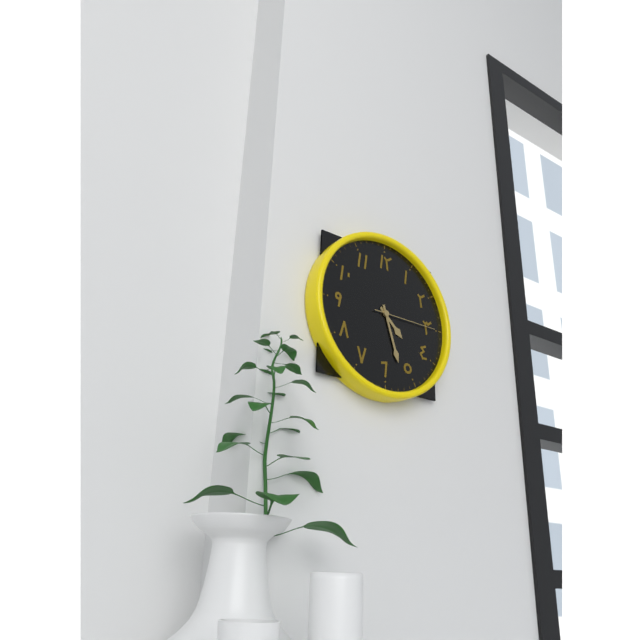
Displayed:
4,27,15
